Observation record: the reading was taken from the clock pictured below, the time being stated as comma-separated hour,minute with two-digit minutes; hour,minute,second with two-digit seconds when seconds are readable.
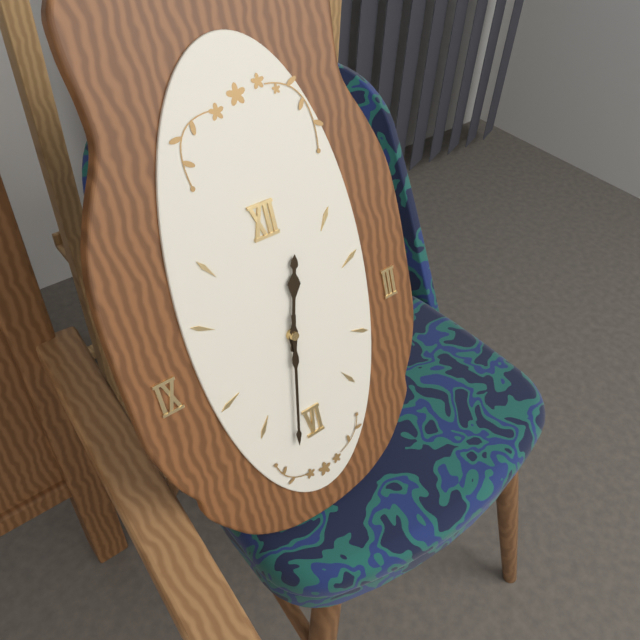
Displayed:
12,32
